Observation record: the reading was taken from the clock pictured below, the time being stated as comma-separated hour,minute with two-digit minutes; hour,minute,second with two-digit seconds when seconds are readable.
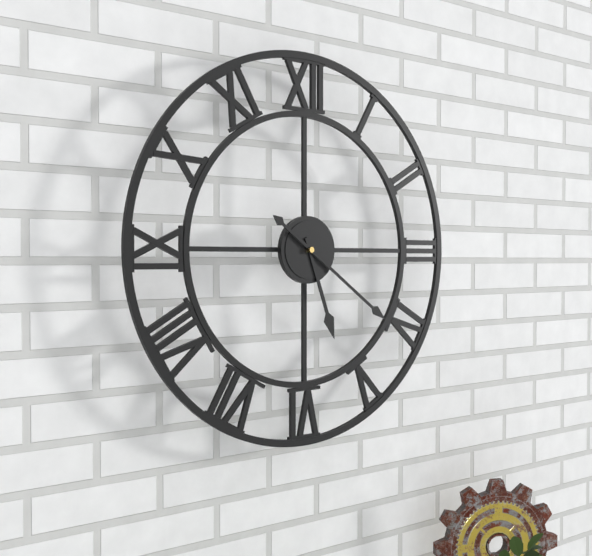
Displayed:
5,21
